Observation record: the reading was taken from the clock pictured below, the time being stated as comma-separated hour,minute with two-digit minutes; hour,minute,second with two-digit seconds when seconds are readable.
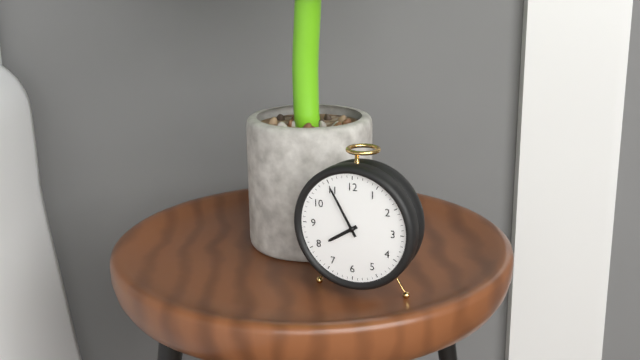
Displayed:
7,55
